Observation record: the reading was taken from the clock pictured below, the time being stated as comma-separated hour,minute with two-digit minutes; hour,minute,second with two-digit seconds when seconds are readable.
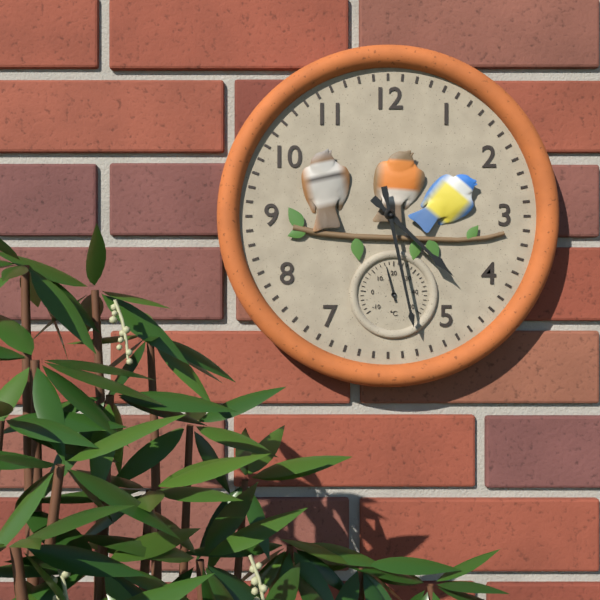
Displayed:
4,28
